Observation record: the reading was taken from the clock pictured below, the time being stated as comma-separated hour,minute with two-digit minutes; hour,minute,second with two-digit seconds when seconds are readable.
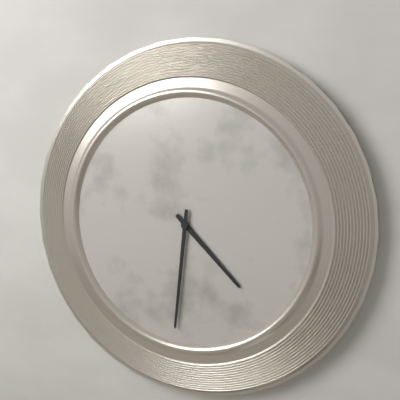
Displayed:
4,31
